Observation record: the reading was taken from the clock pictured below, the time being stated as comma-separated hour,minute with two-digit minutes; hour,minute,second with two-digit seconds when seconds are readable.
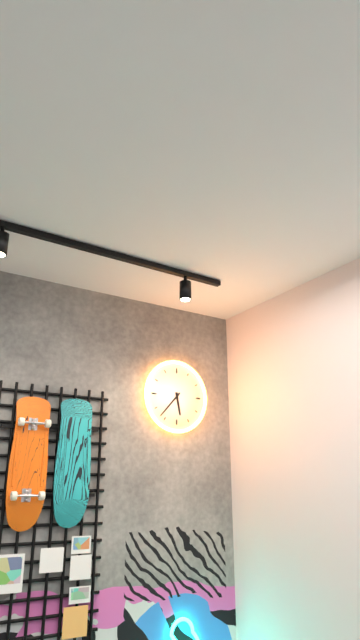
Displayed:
5,37
